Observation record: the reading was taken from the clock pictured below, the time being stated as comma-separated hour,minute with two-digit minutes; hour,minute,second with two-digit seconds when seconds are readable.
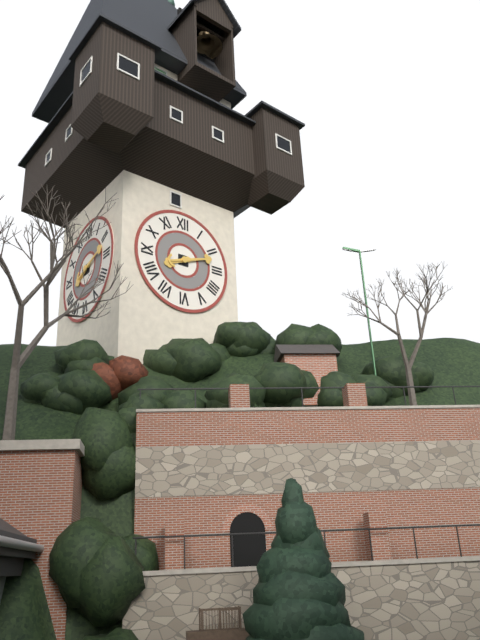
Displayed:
8,12
